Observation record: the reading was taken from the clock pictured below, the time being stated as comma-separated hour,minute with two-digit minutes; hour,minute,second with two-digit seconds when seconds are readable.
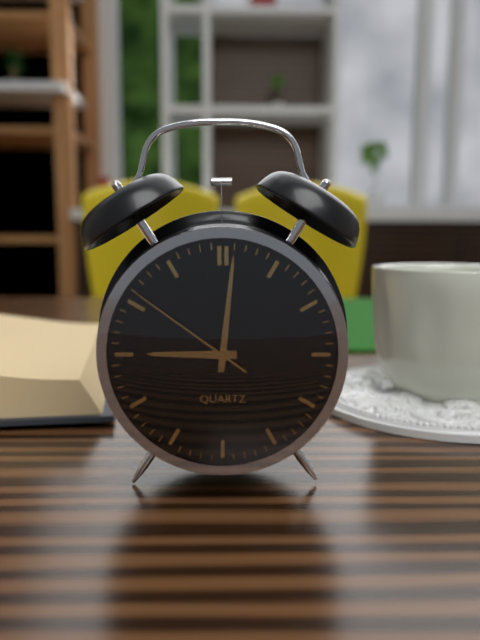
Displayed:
9,01,51
